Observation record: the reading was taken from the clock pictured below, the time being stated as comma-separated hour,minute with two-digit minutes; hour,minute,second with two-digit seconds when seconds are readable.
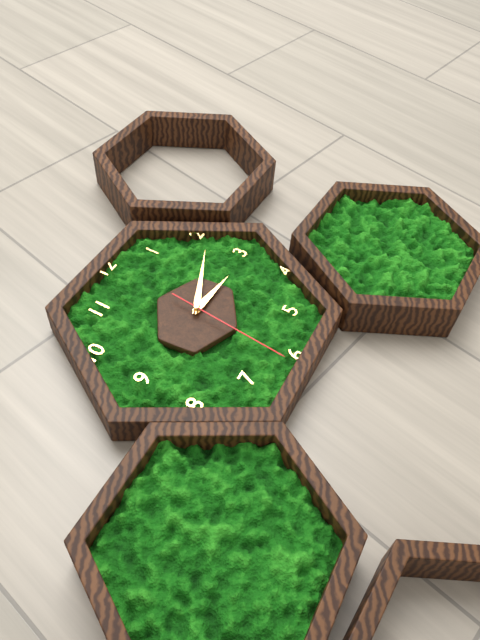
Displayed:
3,11,31
